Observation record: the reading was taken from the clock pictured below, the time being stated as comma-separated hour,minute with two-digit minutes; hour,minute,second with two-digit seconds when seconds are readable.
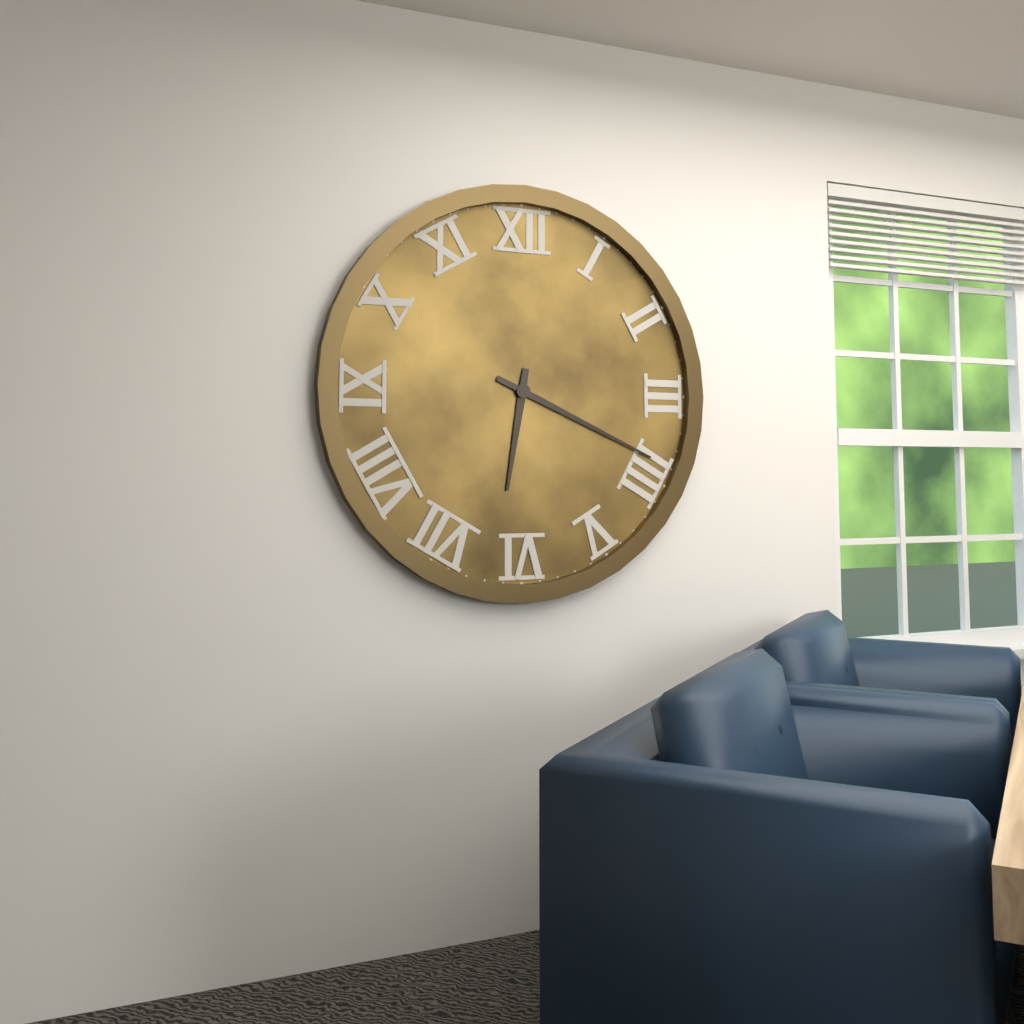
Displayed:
6,19
